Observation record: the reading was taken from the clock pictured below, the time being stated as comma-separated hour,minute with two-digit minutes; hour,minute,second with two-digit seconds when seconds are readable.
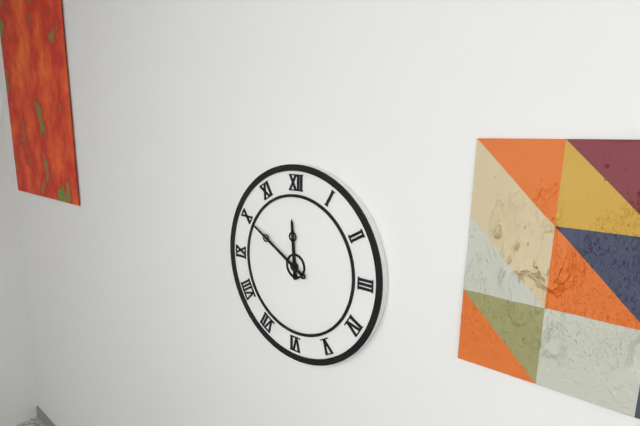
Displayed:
11,50
